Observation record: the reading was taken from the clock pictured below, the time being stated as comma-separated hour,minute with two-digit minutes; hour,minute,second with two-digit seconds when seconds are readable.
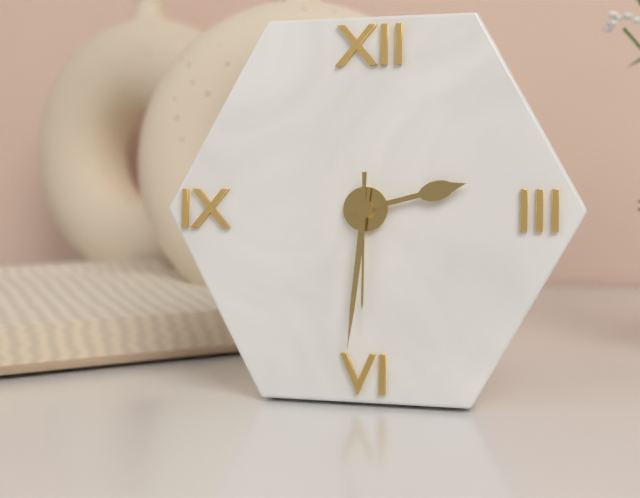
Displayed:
2,31,30
